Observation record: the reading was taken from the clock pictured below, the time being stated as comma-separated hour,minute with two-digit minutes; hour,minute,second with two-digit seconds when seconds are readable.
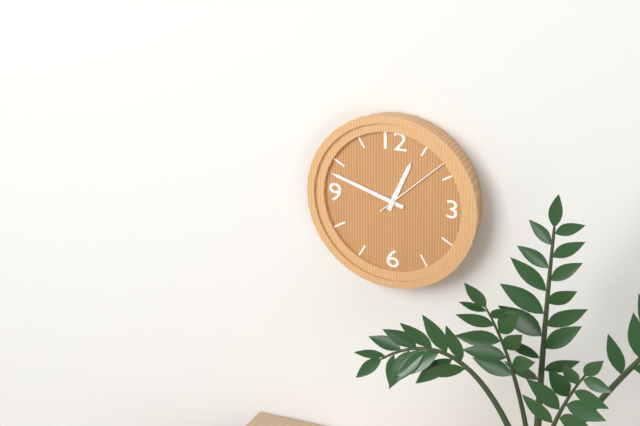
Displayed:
12,48,08
